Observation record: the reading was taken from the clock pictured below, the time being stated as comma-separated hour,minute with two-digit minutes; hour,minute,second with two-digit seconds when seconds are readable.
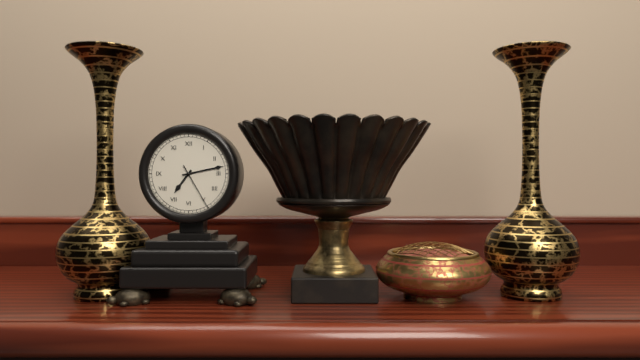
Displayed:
7,13
